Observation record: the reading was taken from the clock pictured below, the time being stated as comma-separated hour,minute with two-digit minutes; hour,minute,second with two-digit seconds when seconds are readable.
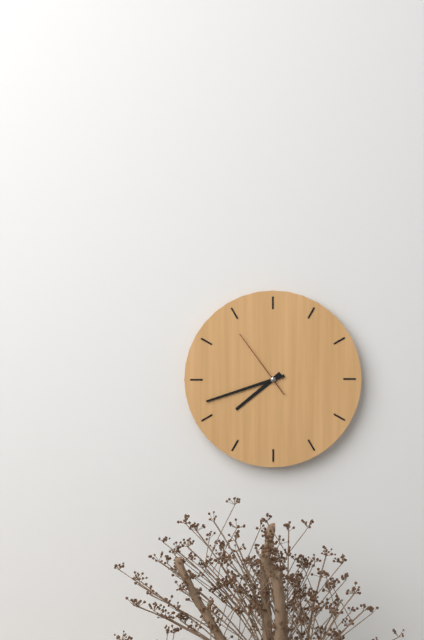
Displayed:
7,42,54
